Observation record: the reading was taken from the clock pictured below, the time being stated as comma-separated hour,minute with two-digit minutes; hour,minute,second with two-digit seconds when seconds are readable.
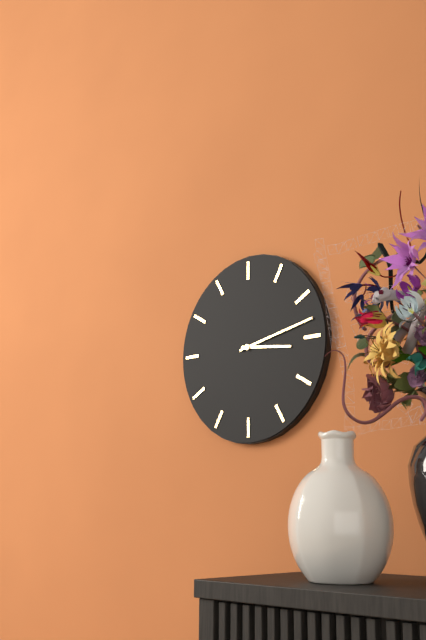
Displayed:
3,13
